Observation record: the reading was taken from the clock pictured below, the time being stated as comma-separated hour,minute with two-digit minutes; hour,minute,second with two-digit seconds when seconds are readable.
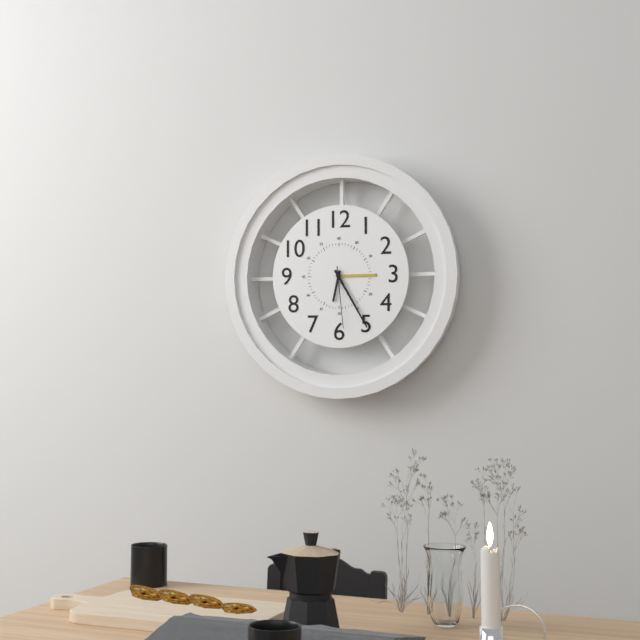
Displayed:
6,25,29
